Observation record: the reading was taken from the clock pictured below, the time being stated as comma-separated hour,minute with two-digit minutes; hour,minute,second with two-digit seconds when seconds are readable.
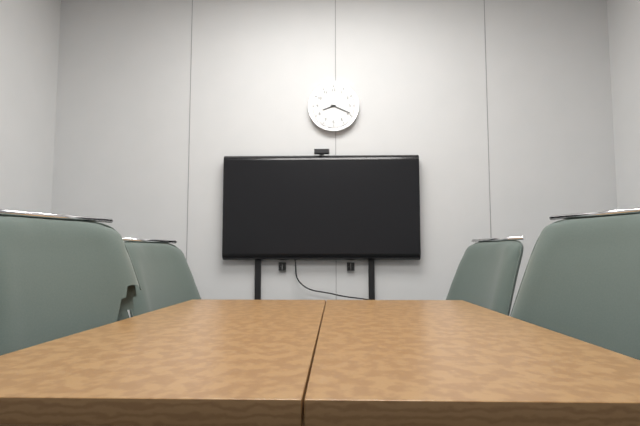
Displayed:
8,19
